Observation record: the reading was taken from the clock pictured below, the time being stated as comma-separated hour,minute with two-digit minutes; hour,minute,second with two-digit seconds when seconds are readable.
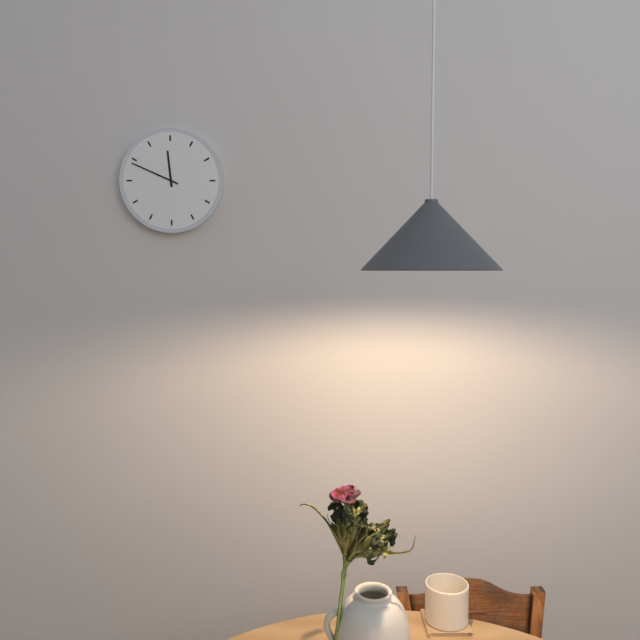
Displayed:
11,49
